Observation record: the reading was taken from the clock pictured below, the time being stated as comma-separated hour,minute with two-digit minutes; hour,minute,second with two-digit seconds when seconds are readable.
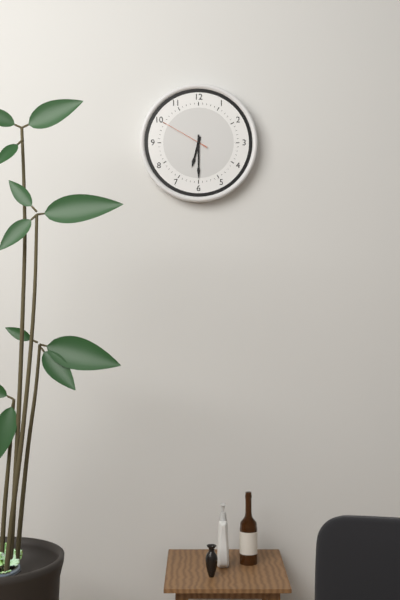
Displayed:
6,30,50
